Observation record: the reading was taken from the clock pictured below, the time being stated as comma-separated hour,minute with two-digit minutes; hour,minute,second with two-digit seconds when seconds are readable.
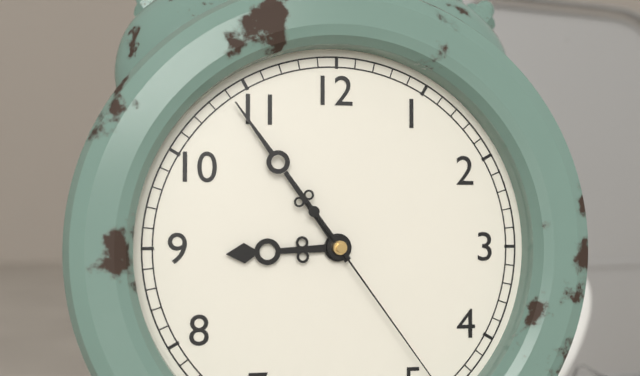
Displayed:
8,54
